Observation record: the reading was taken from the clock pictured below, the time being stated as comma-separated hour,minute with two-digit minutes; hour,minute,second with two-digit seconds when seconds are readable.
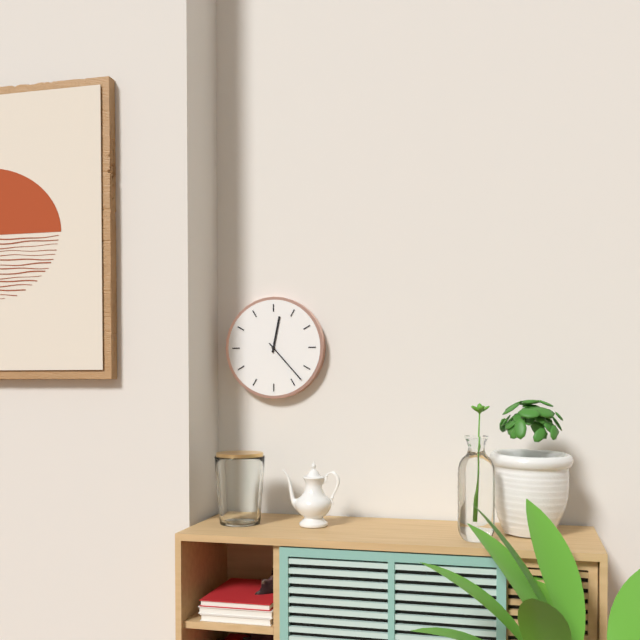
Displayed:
12,23
